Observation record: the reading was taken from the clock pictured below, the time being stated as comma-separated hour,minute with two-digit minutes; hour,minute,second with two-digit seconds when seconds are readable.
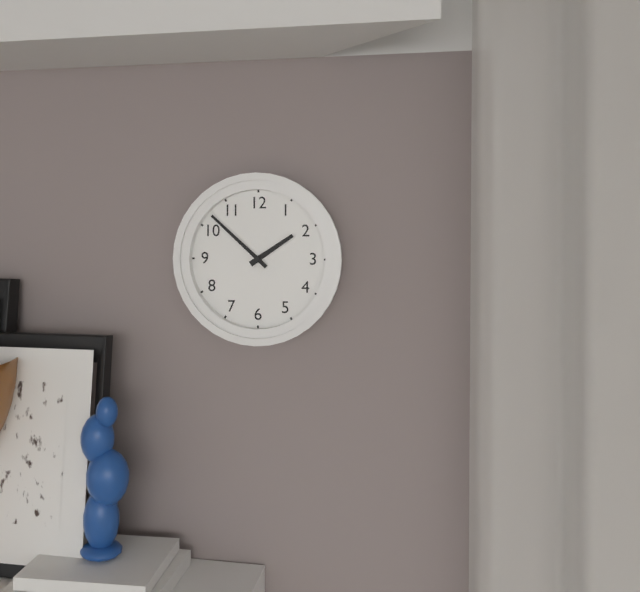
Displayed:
1,52
